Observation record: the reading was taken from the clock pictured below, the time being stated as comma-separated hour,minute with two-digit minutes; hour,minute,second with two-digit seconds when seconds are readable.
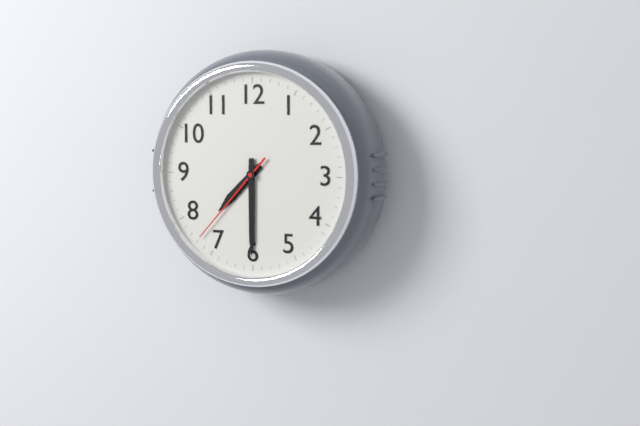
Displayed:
7,30,37
